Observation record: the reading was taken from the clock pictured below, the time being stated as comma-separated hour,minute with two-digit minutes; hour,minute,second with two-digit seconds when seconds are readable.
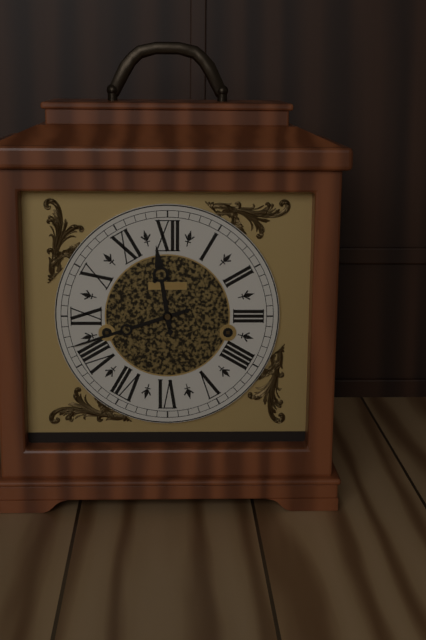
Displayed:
11,42
